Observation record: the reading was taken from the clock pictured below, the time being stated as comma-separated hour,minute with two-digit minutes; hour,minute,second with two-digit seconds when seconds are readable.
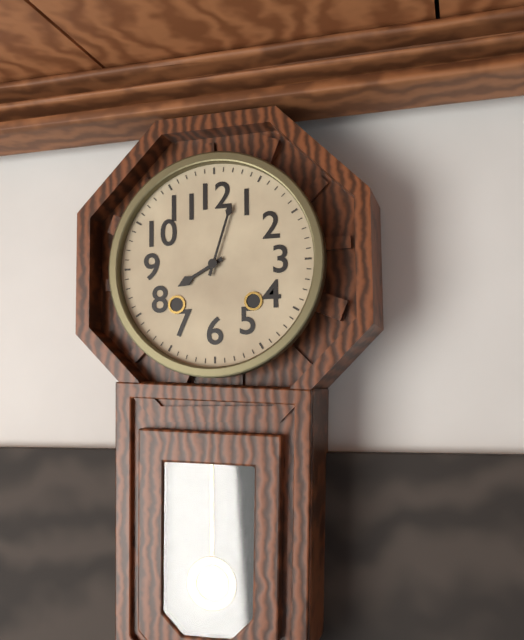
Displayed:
8,03
